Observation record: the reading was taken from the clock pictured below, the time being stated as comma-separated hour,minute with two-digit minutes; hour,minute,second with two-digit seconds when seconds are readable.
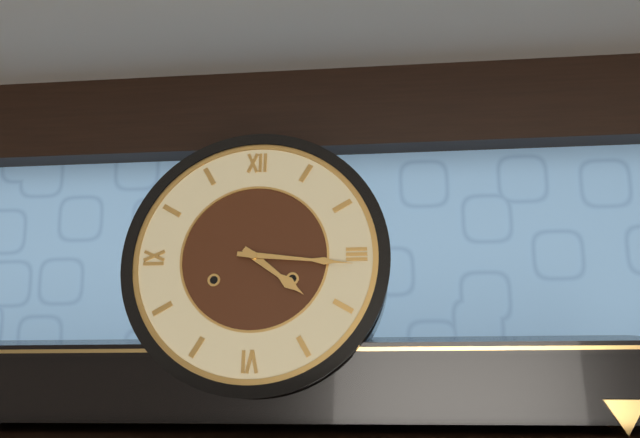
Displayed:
4,16
